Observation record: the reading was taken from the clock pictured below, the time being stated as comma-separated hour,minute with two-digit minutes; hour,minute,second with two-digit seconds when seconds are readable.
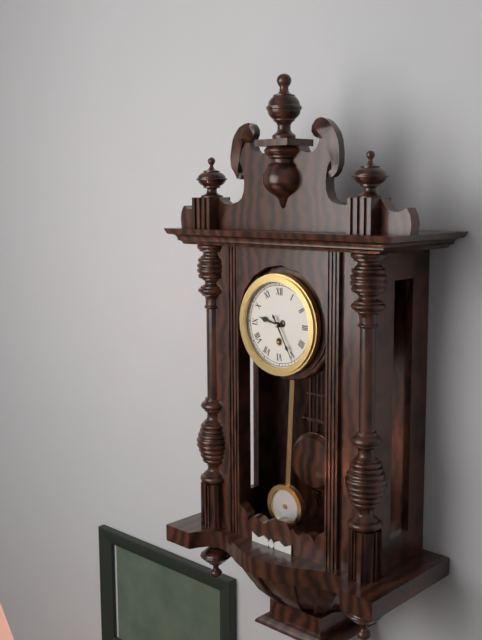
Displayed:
9,25
